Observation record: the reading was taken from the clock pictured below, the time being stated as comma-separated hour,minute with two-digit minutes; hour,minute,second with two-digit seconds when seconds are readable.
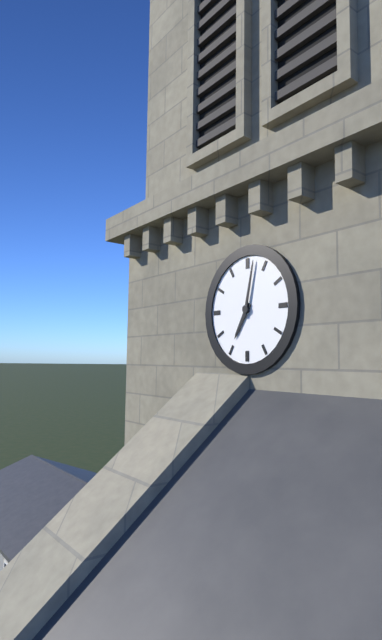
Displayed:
7,02
